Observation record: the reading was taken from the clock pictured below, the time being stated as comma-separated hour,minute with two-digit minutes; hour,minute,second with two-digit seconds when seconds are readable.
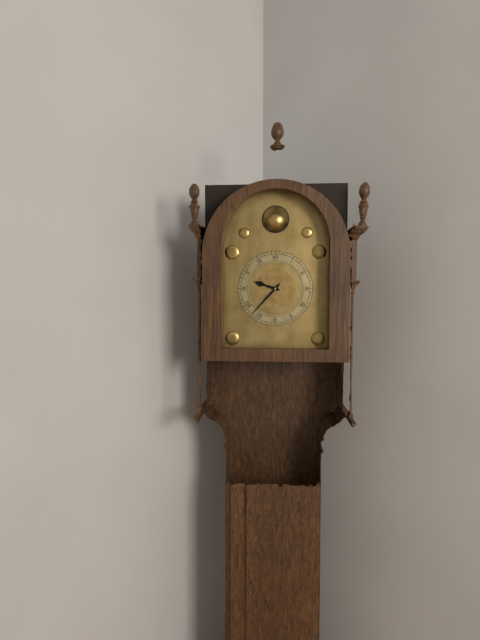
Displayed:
9,37
